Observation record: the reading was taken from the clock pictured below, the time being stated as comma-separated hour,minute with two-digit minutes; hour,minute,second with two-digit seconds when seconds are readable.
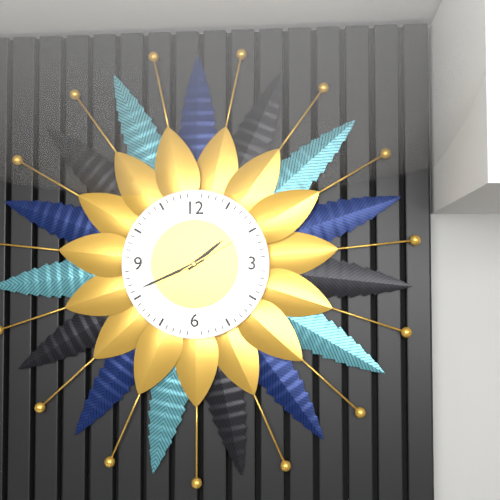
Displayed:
1,41,10
